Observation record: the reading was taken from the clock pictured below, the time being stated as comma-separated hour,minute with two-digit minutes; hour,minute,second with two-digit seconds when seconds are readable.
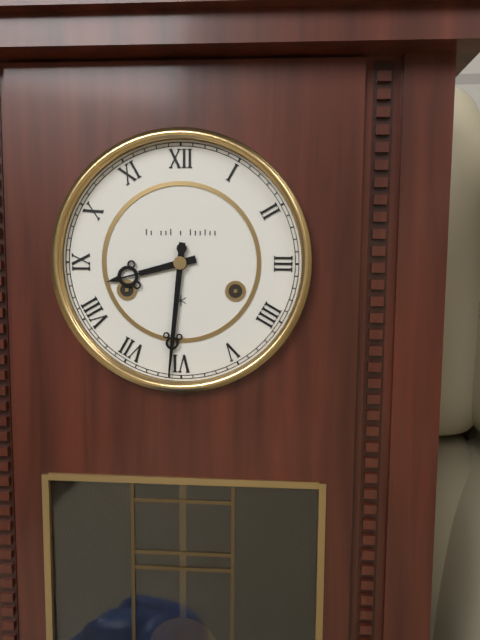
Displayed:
8,31
